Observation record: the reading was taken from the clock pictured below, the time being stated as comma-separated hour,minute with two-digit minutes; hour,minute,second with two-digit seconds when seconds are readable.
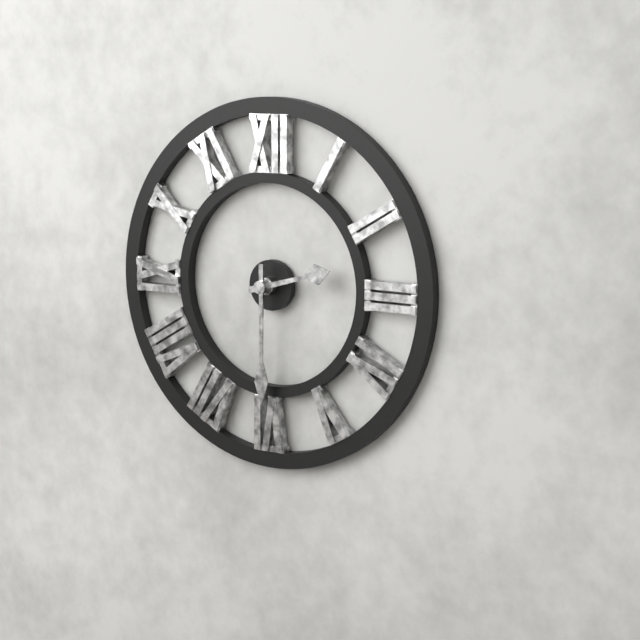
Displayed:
2,30
